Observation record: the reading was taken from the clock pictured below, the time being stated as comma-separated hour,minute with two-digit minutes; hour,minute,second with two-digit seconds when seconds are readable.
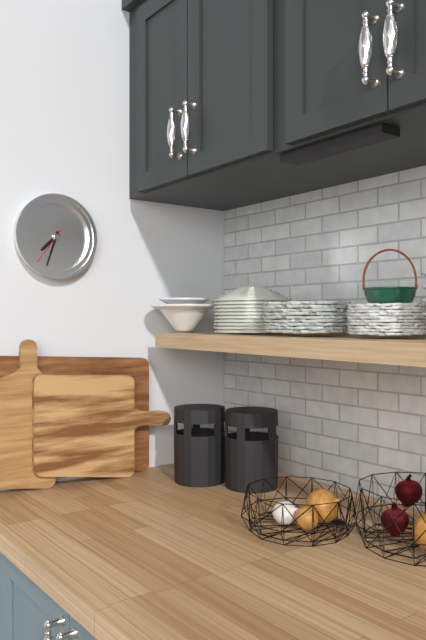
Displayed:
7,33
